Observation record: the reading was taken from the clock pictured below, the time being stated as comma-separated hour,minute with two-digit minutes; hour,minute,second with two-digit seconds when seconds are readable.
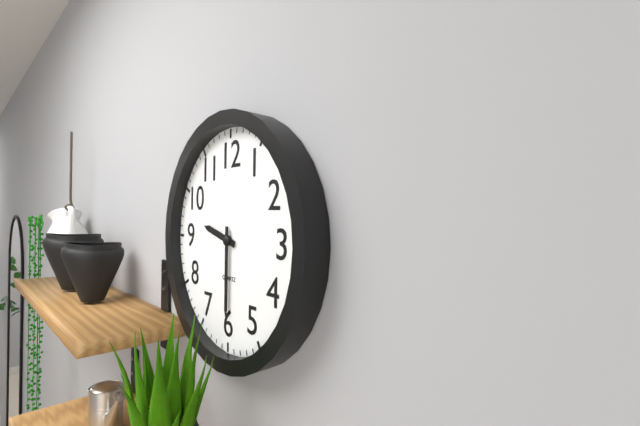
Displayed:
9,30
